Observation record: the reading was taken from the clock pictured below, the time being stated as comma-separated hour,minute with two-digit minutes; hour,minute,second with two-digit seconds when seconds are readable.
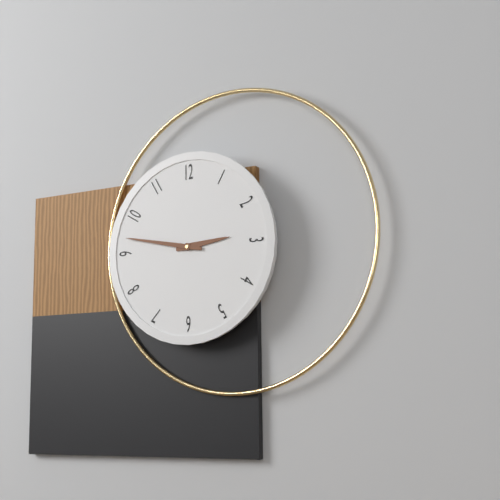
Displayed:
2,47
